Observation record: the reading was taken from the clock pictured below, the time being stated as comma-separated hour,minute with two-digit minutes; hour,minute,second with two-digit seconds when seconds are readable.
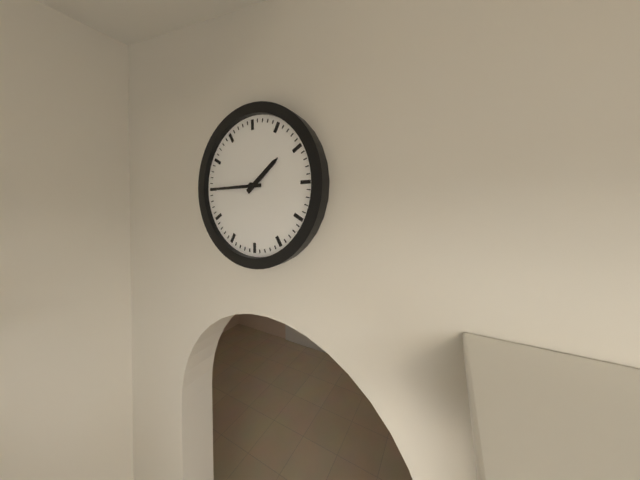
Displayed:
1,45
